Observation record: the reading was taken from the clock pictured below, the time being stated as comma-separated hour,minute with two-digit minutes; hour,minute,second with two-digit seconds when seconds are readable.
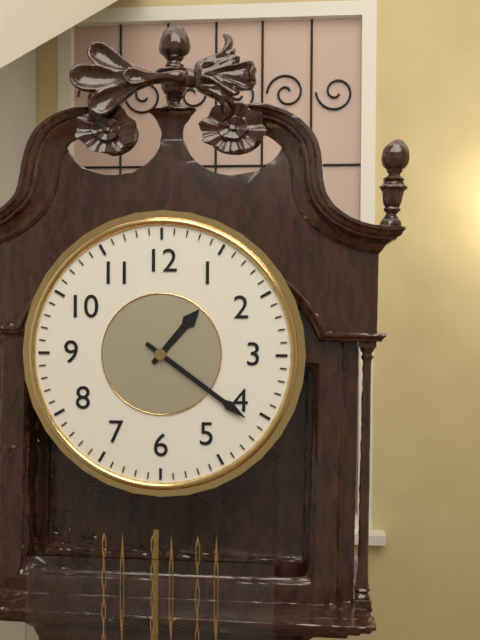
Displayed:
1,21
